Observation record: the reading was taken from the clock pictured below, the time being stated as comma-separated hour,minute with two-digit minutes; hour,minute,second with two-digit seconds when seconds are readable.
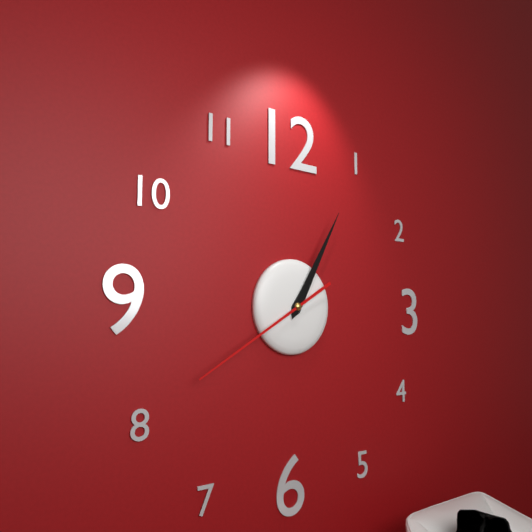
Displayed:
1,05,40
